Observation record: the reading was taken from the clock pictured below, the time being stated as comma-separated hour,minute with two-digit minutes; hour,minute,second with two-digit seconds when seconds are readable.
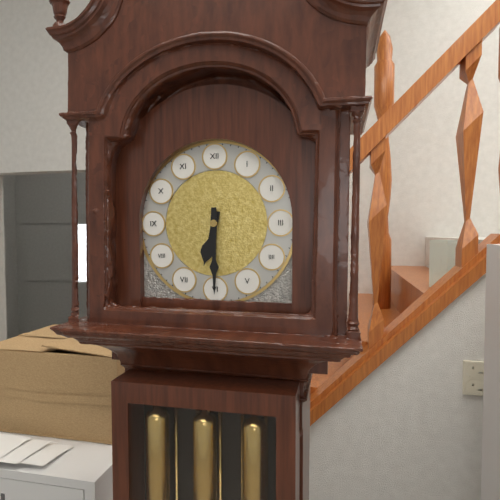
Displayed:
6,30
